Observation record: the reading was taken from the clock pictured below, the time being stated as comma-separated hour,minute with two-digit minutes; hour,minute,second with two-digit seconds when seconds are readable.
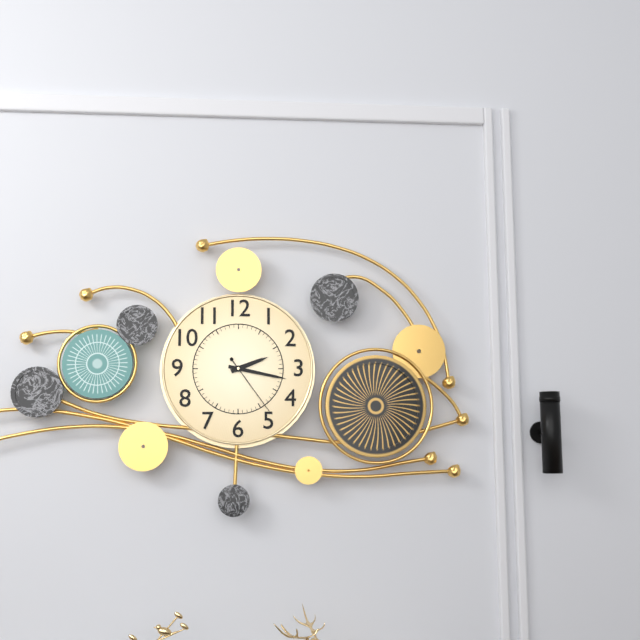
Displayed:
2,17,24
